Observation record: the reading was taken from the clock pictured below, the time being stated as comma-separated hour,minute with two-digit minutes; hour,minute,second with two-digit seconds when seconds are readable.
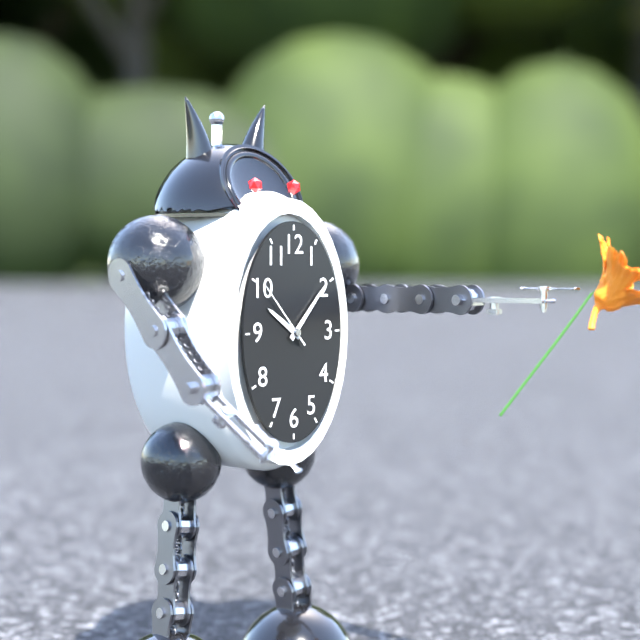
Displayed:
10,07,53
